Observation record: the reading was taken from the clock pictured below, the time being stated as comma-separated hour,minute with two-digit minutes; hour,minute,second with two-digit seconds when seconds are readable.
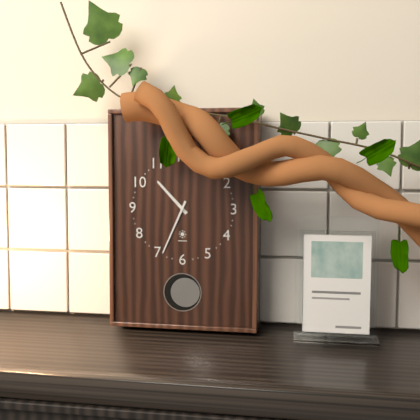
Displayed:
10,34
